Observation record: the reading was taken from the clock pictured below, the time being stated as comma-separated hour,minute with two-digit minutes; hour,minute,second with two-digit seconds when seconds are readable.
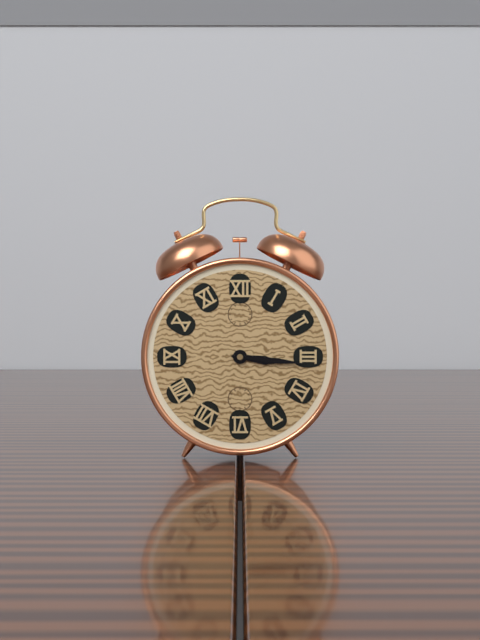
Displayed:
3,16
